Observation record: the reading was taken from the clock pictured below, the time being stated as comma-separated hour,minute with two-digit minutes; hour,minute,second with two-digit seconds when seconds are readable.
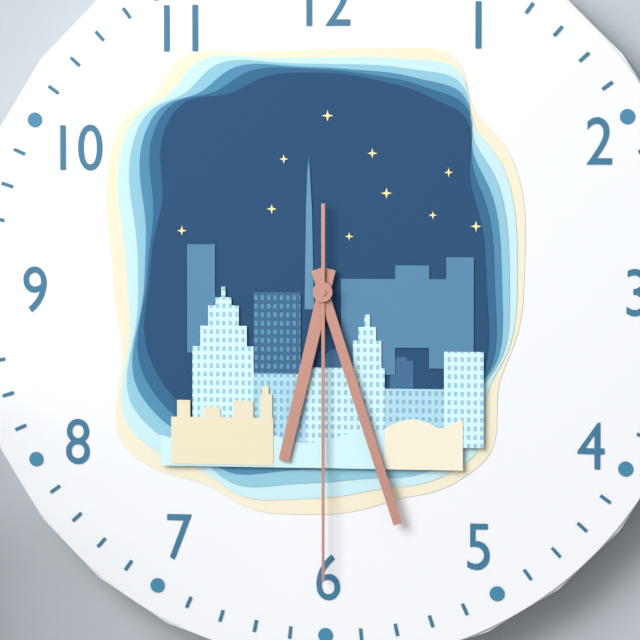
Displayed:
6,27,30
